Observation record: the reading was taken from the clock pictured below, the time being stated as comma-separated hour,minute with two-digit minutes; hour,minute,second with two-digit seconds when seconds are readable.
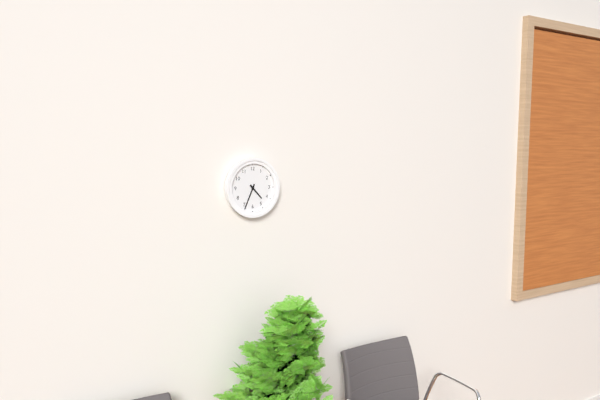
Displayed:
4,34
